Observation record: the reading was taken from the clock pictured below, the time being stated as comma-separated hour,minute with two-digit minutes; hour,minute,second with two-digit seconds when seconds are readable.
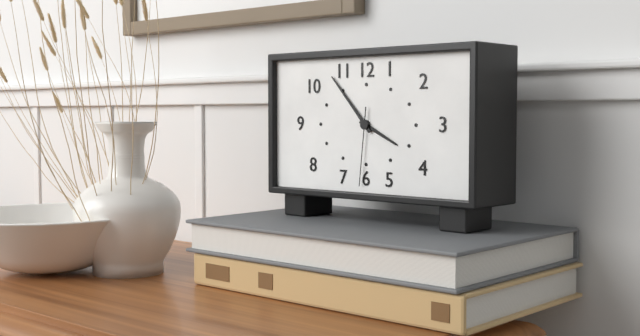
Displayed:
3,53,31
